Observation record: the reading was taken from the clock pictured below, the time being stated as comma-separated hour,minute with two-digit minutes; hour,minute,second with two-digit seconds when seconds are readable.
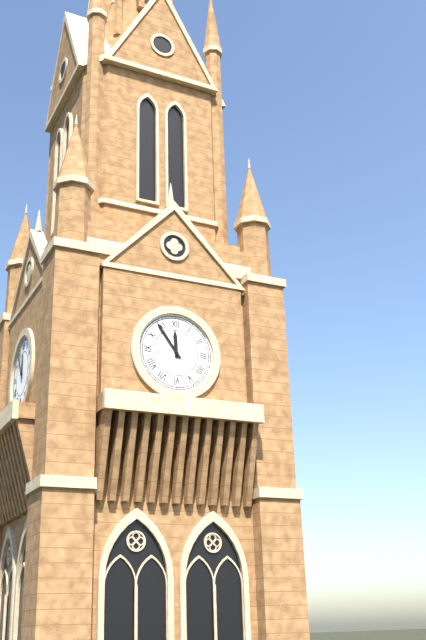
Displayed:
11,54
